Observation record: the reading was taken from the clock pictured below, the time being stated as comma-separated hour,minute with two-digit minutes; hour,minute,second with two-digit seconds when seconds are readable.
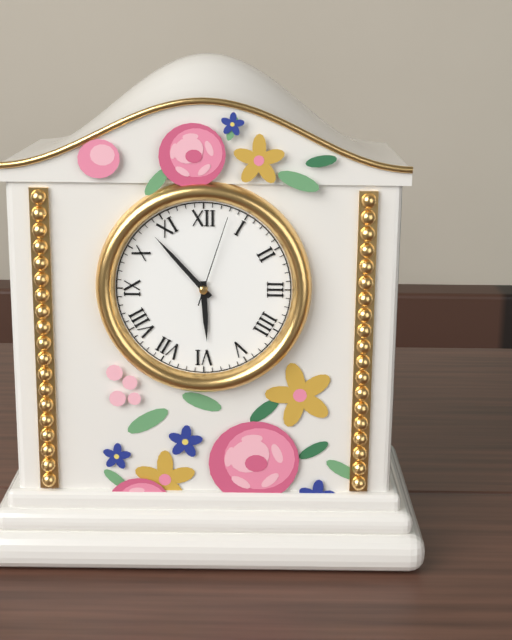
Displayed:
5,53,03
